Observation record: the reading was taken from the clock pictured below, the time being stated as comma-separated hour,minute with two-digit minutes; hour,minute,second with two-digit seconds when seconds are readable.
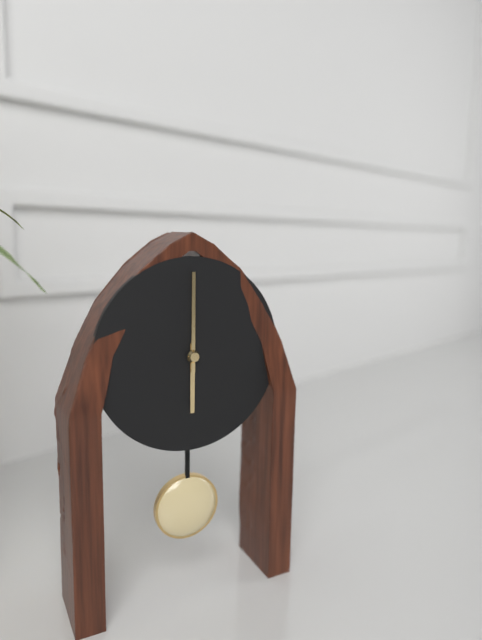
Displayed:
6,00
